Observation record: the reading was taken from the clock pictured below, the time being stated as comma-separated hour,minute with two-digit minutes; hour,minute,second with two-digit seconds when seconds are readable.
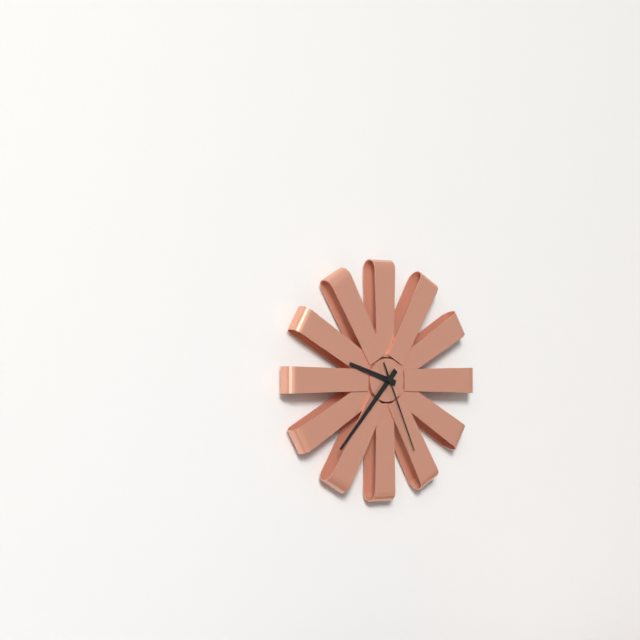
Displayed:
9,37,26
